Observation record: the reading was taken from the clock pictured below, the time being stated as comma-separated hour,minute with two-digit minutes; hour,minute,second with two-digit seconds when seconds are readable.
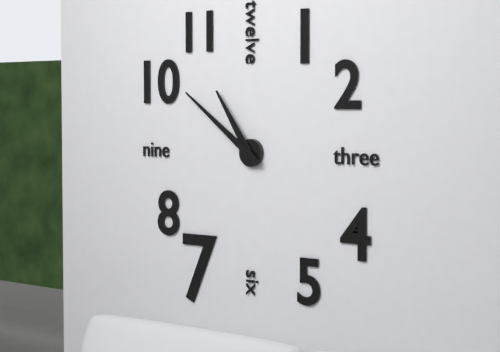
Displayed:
10,51
